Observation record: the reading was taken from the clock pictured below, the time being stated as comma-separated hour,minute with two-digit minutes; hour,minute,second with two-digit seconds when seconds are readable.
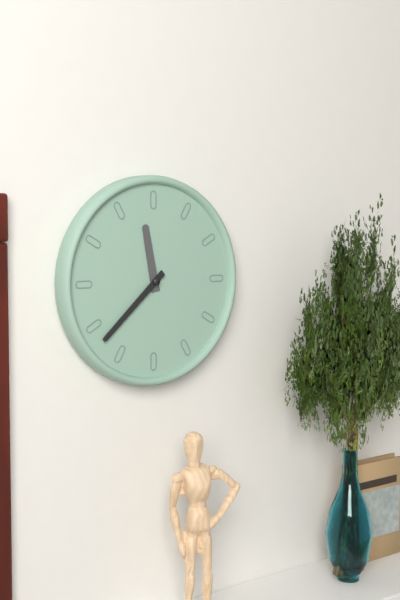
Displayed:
11,38
